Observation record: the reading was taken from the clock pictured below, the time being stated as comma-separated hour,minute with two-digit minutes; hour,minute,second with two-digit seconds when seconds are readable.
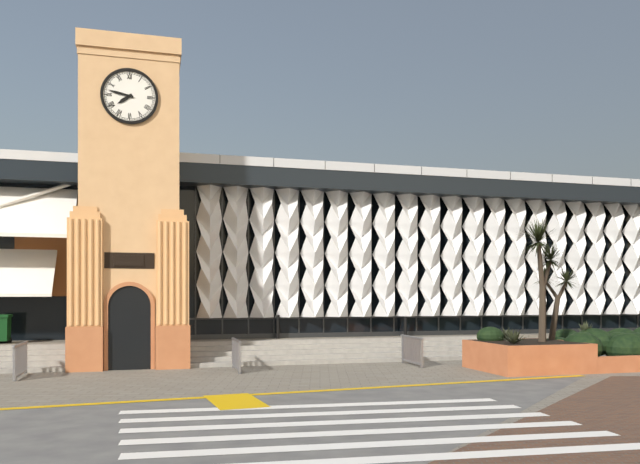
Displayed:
7,47
